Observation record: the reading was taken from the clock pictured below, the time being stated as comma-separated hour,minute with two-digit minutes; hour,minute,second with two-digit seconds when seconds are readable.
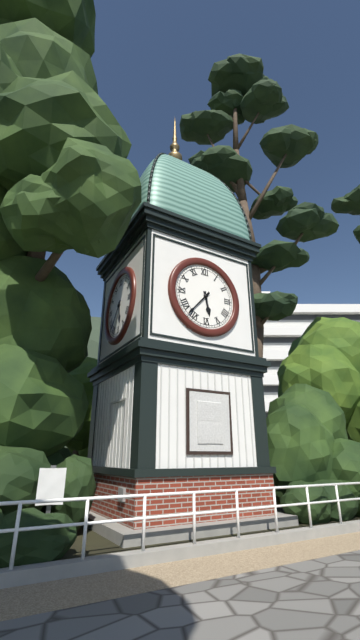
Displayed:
5,37
